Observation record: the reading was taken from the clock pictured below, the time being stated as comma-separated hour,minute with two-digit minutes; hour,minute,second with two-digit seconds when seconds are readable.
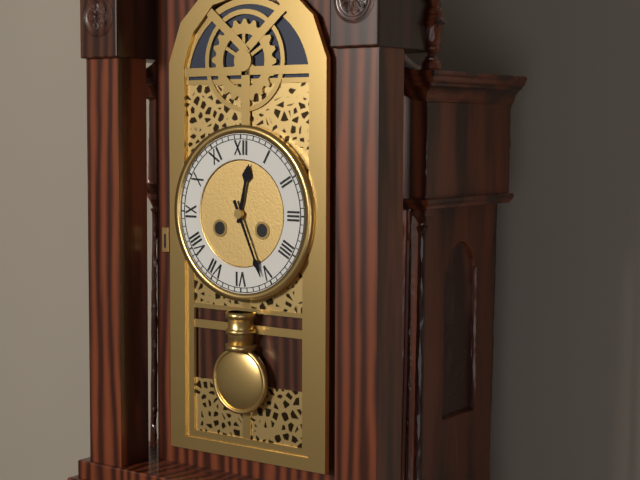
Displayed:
12,26
